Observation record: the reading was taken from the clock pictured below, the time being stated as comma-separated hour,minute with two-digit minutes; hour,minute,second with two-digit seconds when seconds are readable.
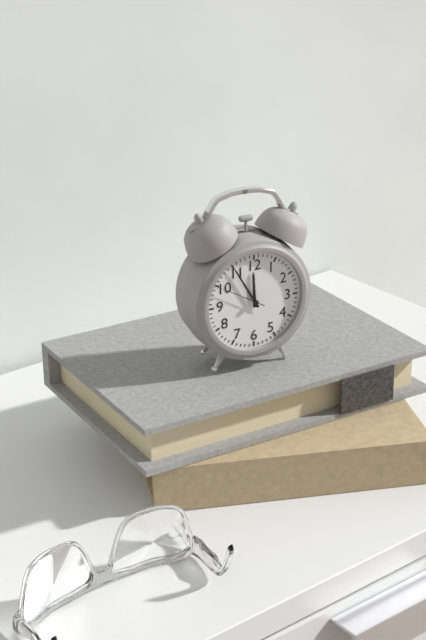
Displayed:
11,55
